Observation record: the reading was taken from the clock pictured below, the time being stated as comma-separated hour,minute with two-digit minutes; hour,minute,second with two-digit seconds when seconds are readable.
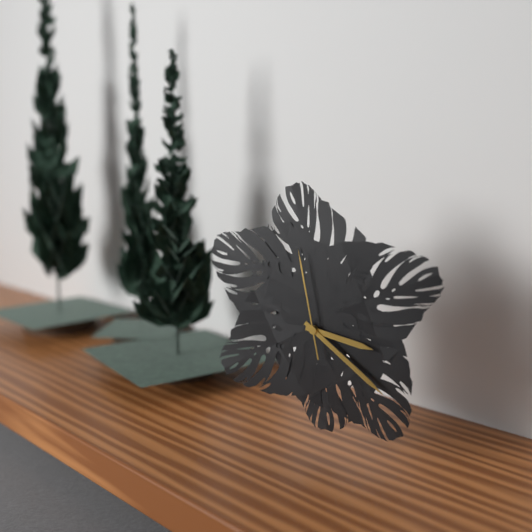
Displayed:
3,21,58
